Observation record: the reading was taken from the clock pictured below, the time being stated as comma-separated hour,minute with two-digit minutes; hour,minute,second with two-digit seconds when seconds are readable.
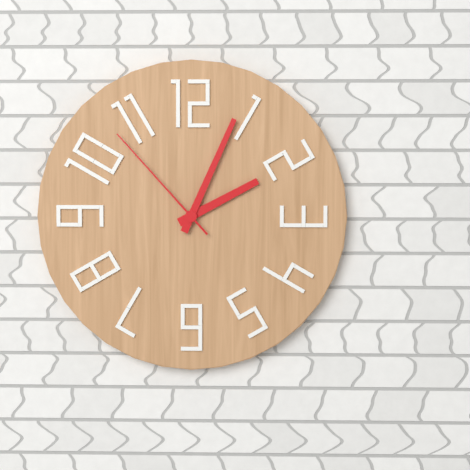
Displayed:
2,04,53
